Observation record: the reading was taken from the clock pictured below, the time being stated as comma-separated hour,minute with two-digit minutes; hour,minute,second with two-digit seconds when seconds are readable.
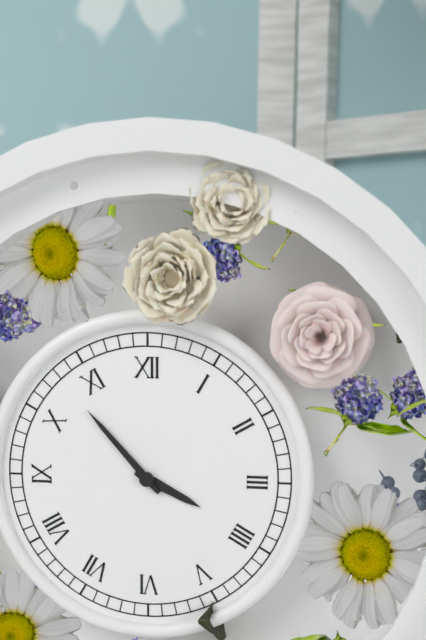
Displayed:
3,53
